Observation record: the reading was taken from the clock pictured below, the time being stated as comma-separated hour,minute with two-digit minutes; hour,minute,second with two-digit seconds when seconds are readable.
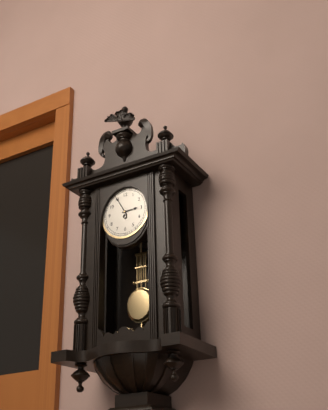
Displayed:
2,55
